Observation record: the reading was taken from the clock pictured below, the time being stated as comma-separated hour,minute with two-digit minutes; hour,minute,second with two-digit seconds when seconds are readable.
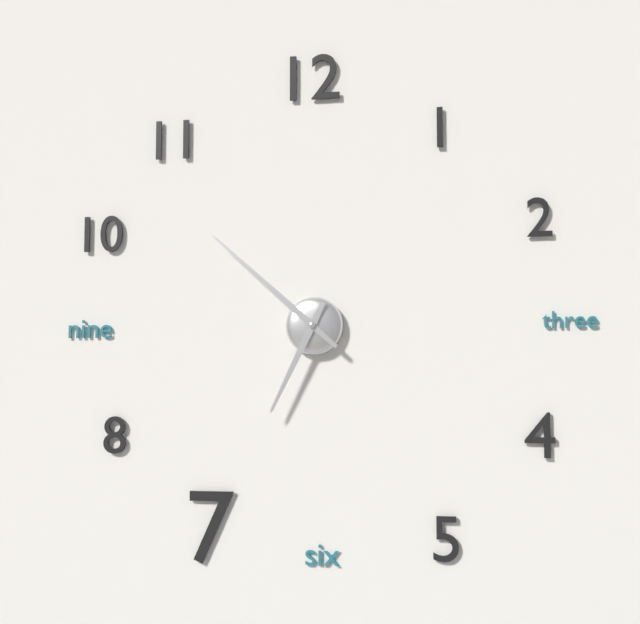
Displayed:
6,52
